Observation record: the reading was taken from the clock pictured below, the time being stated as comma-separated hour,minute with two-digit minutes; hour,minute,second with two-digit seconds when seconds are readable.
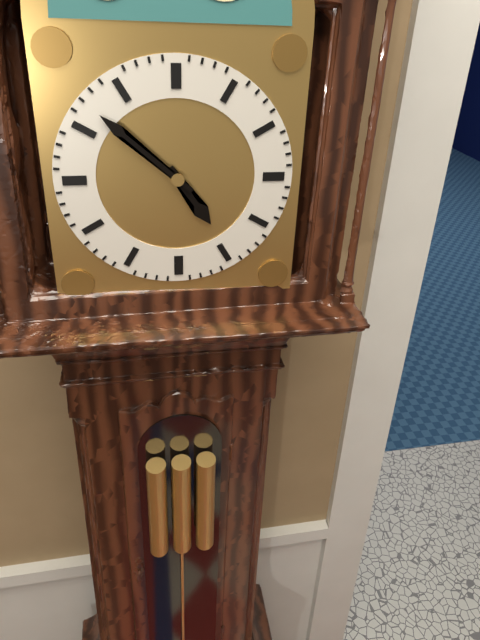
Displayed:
4,52
